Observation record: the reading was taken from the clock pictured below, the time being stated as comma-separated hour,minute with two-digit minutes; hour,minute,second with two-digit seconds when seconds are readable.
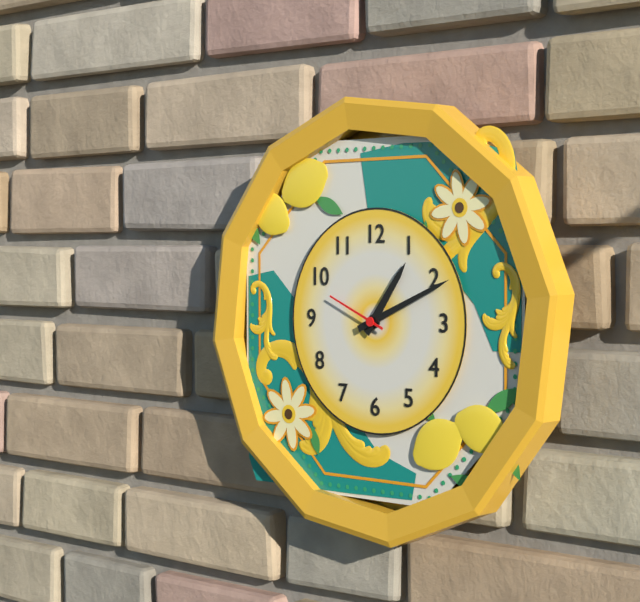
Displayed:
1,11,49
